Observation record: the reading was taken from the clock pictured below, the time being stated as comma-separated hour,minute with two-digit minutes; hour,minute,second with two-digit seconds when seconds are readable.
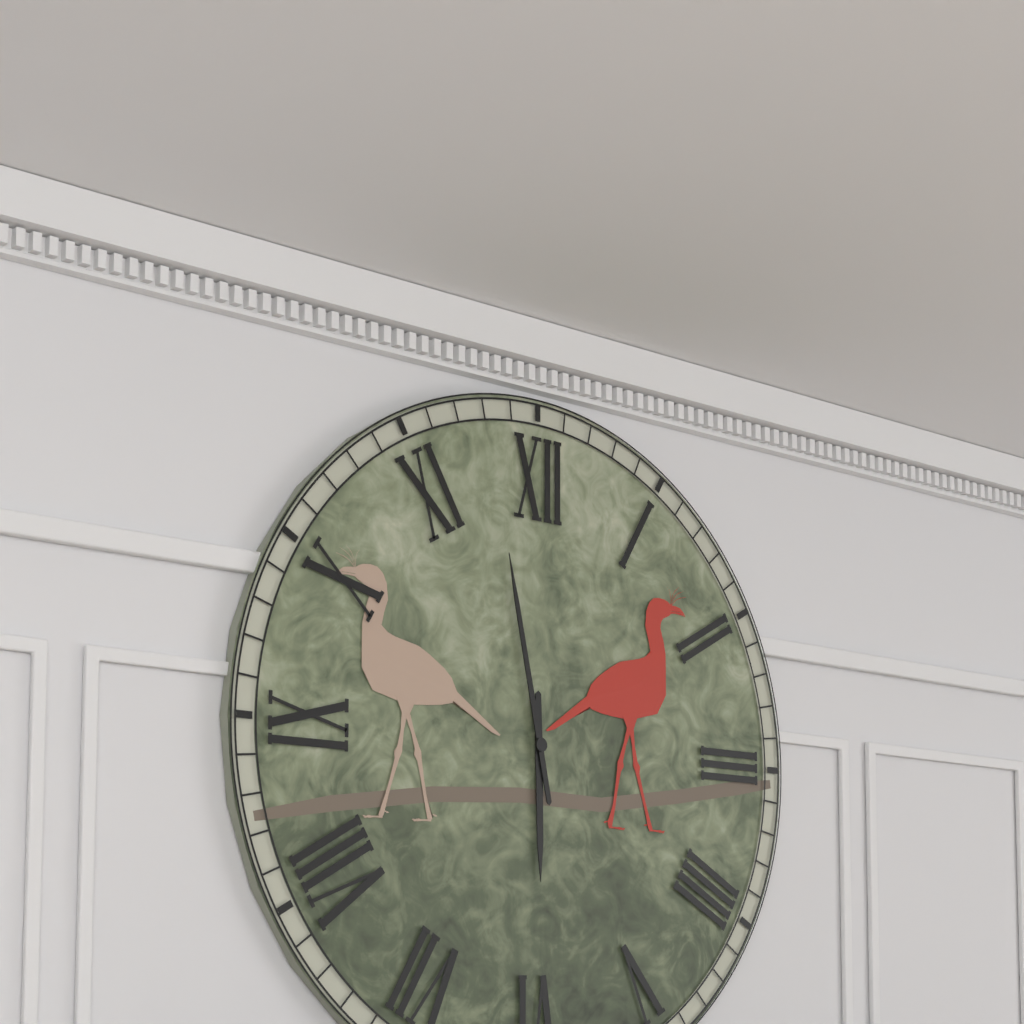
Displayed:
5,58
